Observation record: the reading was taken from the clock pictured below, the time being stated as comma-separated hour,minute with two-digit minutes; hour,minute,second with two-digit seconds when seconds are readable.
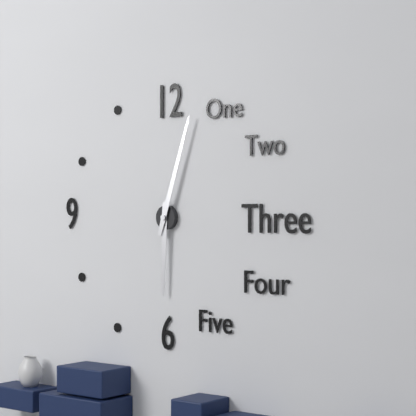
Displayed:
6,03
